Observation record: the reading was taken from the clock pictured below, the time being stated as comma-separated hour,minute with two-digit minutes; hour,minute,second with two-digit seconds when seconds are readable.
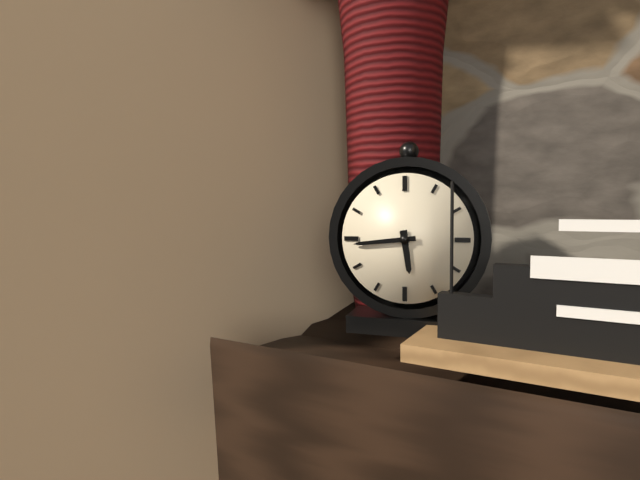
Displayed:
5,44
